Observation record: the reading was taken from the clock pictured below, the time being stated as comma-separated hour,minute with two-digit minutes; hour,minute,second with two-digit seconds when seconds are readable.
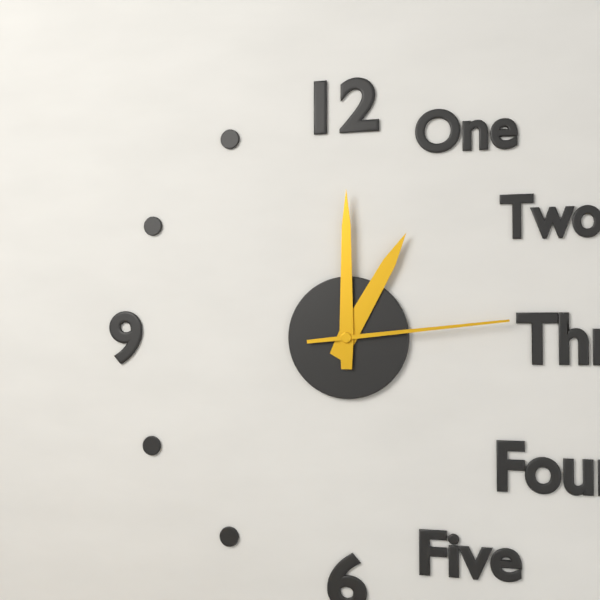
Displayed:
1,00,14
